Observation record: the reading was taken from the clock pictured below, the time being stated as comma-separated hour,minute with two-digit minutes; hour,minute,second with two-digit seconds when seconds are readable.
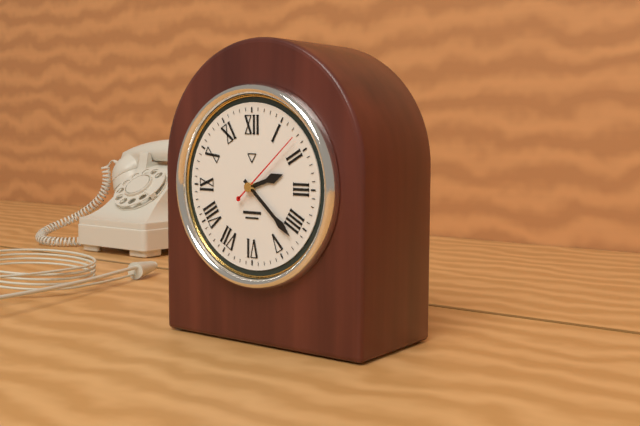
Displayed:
2,22,08
